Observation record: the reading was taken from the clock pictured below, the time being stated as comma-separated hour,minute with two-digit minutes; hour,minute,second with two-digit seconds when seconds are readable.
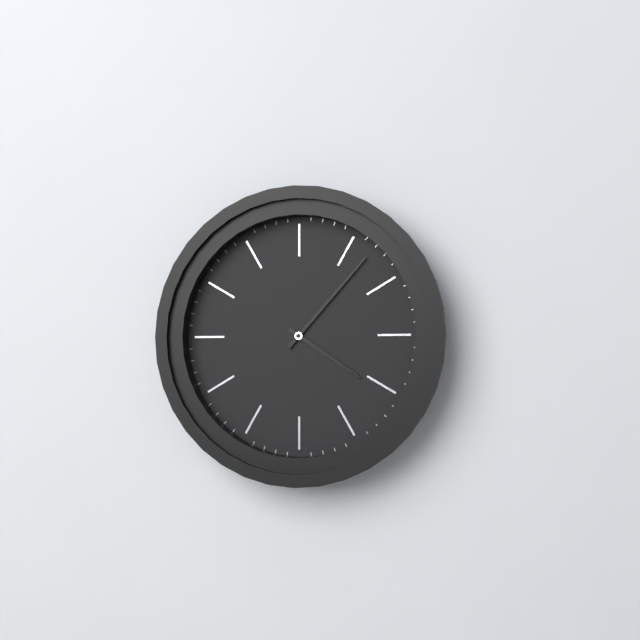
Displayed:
4,07
